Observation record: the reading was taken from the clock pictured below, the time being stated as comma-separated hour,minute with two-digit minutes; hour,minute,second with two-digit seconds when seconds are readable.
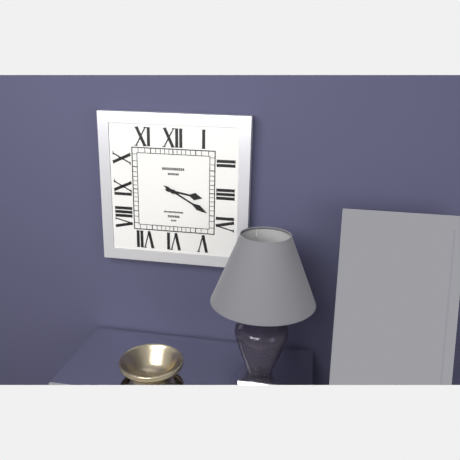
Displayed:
3,20
